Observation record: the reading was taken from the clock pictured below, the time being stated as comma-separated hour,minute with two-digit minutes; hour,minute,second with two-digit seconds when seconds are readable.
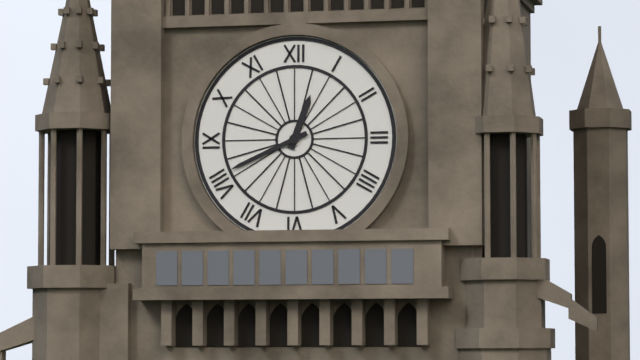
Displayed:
12,41
